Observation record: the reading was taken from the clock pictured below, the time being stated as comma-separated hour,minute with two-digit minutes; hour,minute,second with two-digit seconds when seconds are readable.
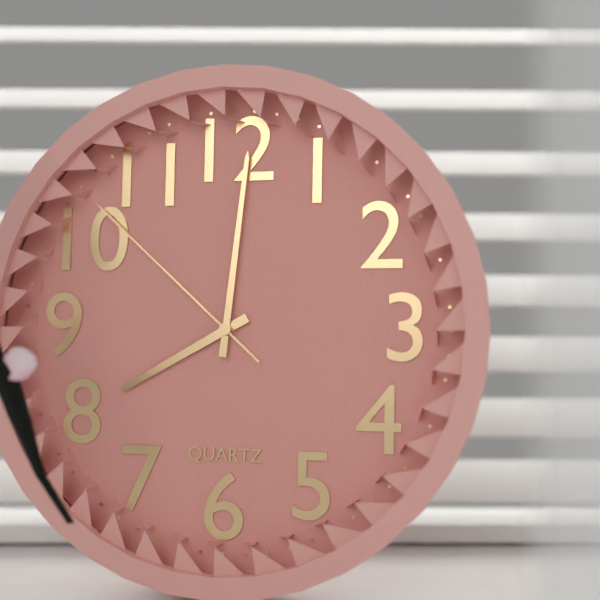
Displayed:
8,01,52
